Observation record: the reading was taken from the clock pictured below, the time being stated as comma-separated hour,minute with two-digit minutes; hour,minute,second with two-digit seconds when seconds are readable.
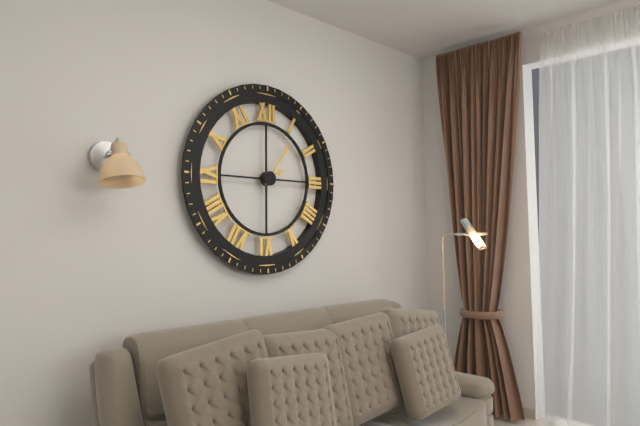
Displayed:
2,06
